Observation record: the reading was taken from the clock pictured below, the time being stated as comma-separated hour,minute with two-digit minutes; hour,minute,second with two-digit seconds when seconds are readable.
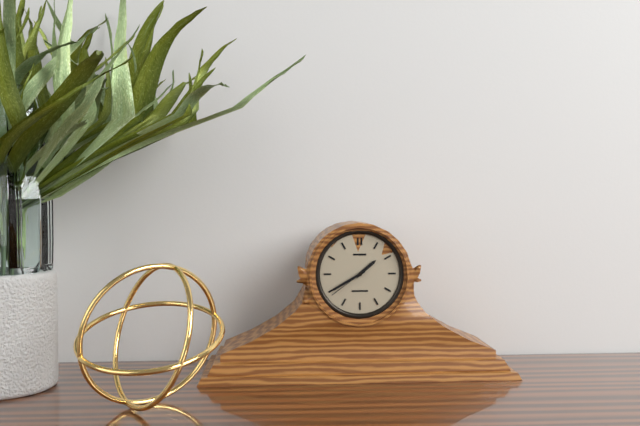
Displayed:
1,40
